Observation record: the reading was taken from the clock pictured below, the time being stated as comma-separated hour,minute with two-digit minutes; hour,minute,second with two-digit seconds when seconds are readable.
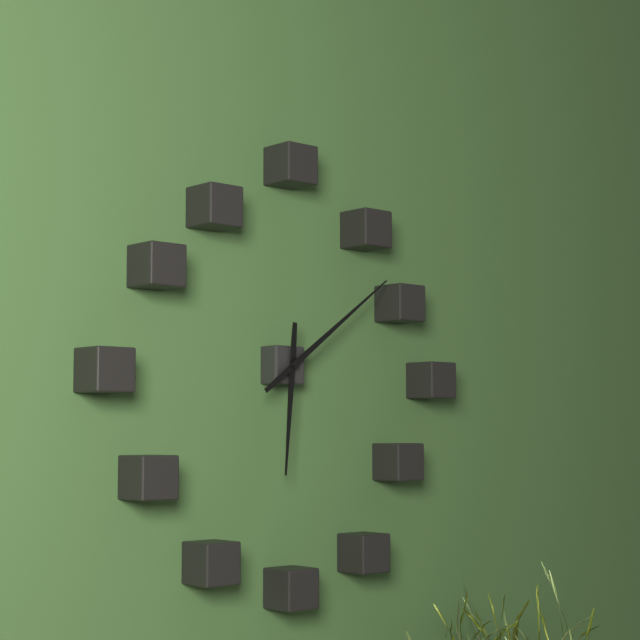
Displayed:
6,09
